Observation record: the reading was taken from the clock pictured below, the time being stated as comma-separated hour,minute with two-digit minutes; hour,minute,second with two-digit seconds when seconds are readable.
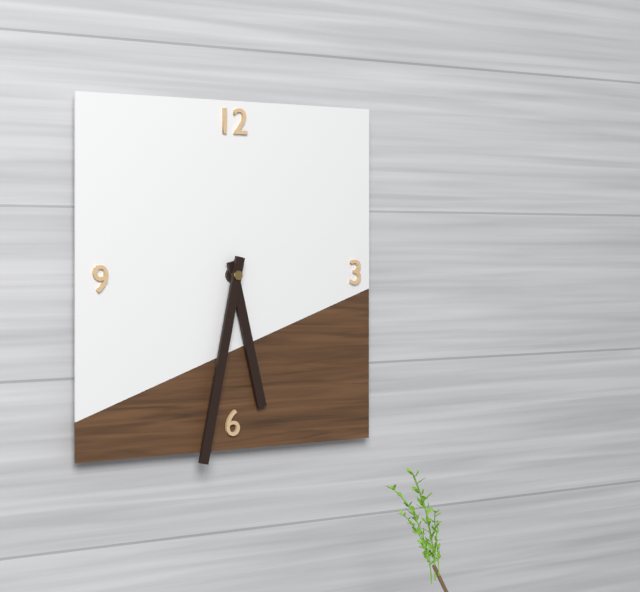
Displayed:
5,32
